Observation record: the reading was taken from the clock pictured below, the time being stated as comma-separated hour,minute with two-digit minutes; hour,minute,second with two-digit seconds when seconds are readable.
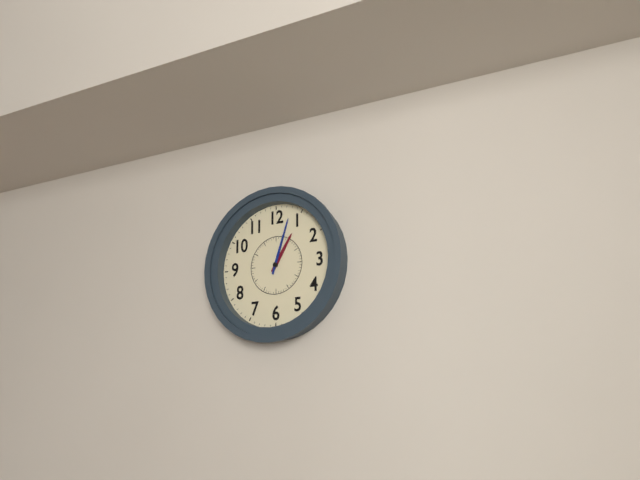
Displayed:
1,03
